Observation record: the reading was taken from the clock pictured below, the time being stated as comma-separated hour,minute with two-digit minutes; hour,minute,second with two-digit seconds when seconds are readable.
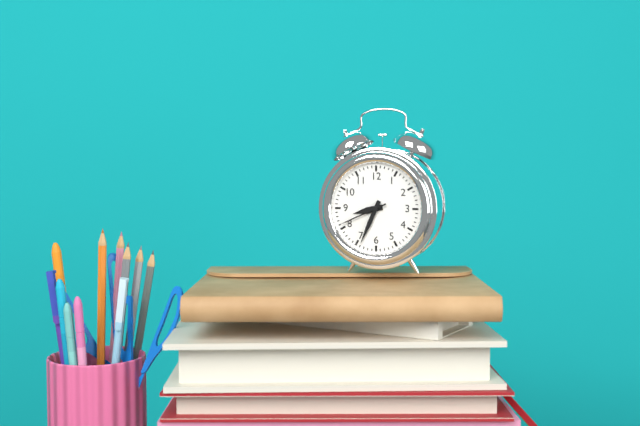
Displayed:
8,34
